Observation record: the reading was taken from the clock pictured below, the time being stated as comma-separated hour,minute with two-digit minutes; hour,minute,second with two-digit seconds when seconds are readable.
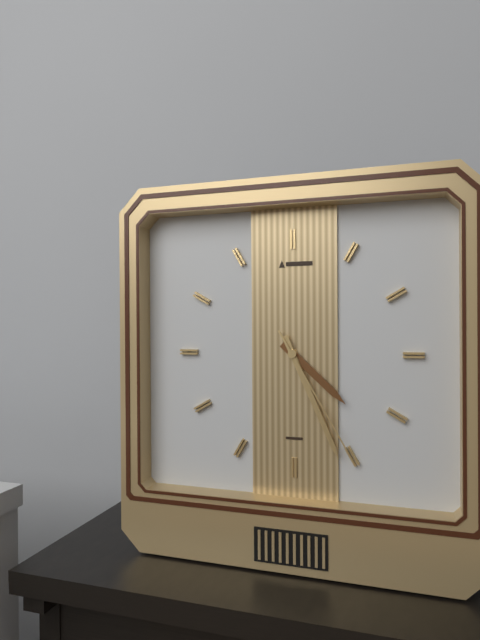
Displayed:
4,26,25
